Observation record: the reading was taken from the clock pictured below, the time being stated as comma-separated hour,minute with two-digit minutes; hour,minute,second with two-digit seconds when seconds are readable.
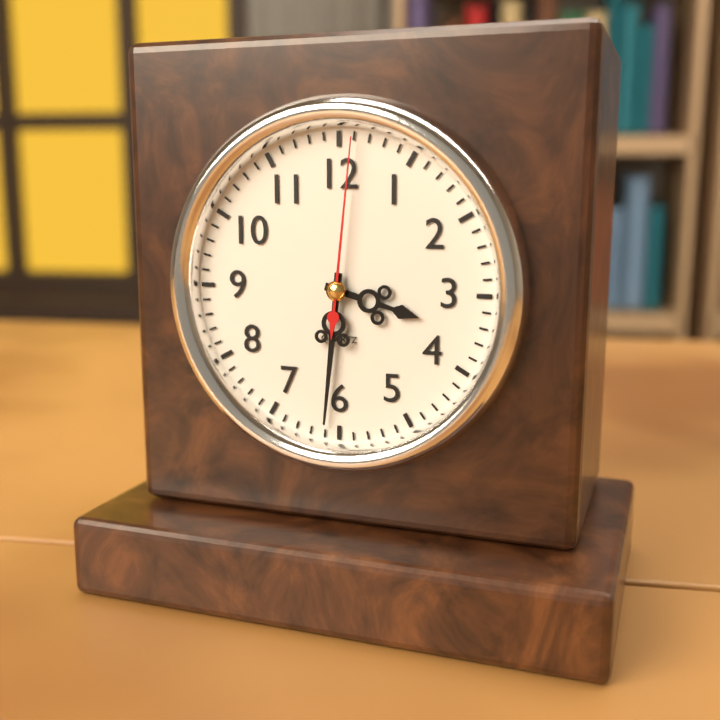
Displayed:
3,31,01
